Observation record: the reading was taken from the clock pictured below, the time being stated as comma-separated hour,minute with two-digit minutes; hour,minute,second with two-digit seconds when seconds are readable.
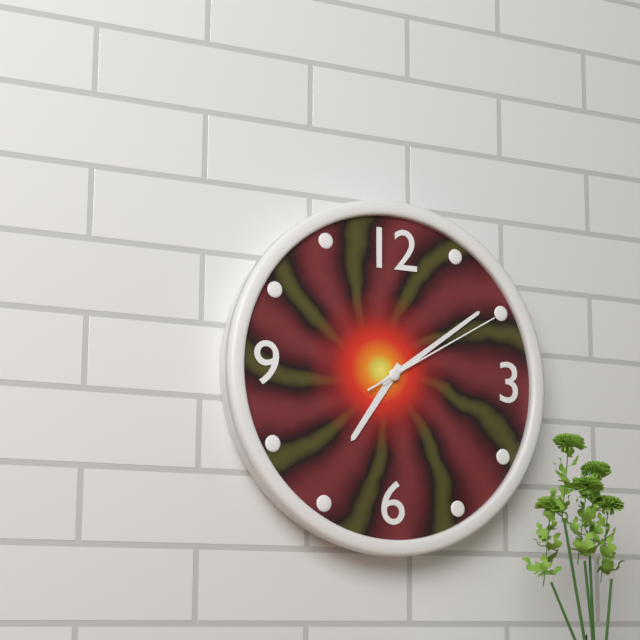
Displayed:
7,09,10
